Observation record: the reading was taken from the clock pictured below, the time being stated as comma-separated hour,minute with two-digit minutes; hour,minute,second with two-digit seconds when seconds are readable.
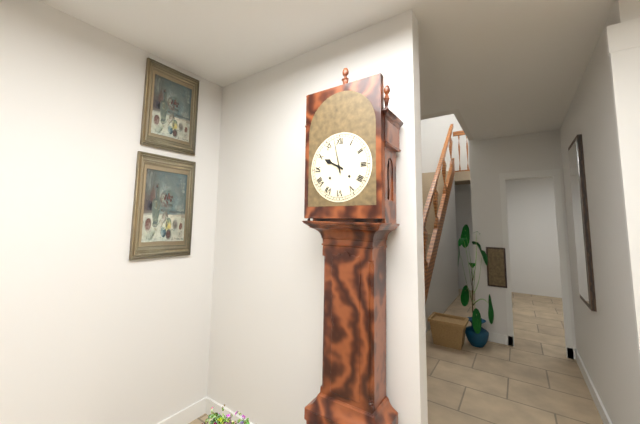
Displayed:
9,58
